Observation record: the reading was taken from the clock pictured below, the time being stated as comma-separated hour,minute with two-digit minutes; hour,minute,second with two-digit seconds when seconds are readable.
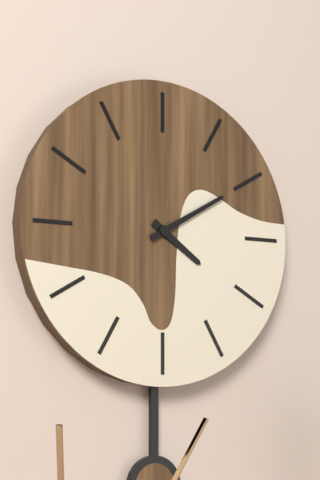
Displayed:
4,10
